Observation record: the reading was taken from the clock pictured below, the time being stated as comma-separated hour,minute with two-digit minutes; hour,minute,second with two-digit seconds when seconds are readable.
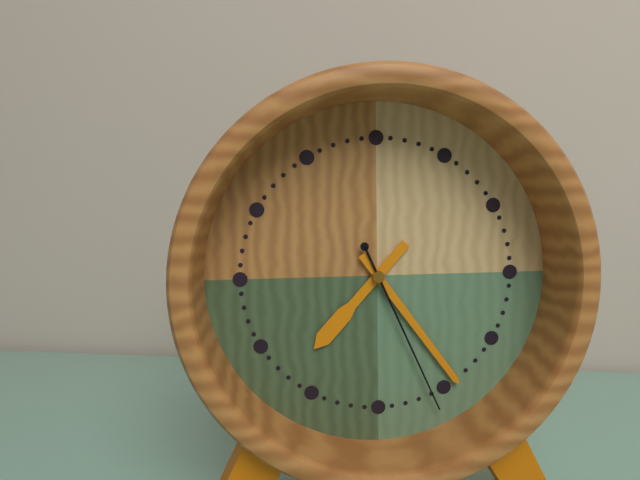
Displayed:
7,24,26
